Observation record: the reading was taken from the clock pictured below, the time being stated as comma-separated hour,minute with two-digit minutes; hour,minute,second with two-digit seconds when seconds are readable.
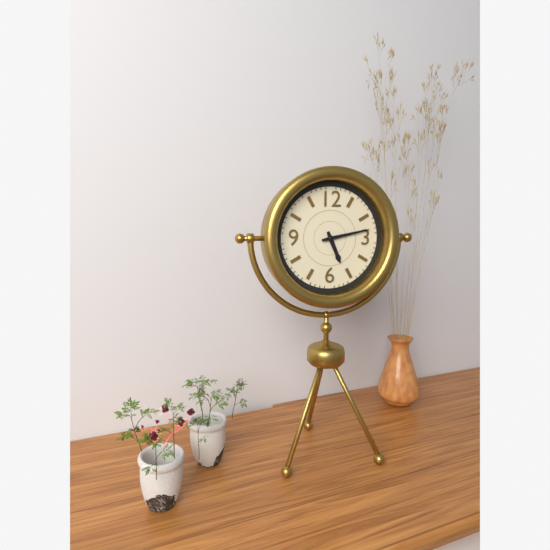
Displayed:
5,13
